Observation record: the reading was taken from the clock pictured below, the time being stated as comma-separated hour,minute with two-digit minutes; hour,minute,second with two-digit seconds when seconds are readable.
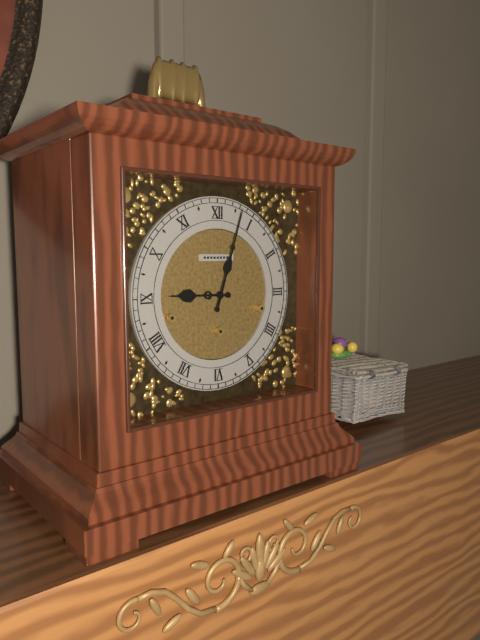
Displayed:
9,03
